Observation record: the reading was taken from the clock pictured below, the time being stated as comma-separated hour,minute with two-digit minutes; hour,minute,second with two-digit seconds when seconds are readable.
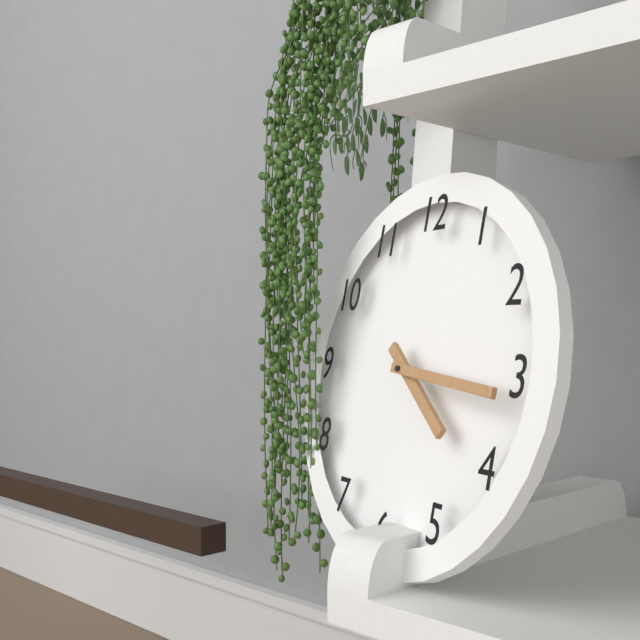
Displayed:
4,16
